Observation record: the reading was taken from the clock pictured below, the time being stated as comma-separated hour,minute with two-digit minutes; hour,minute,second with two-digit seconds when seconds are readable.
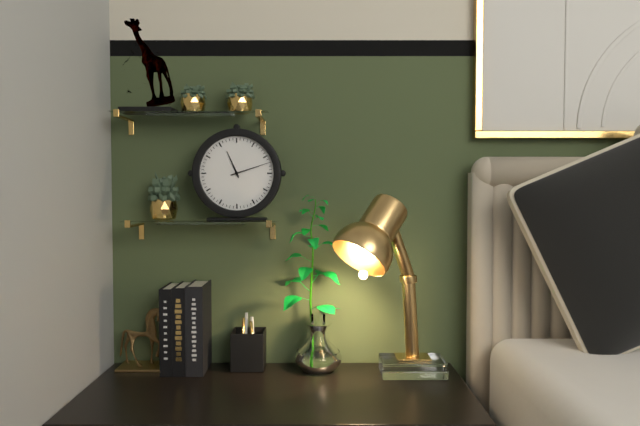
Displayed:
11,12
